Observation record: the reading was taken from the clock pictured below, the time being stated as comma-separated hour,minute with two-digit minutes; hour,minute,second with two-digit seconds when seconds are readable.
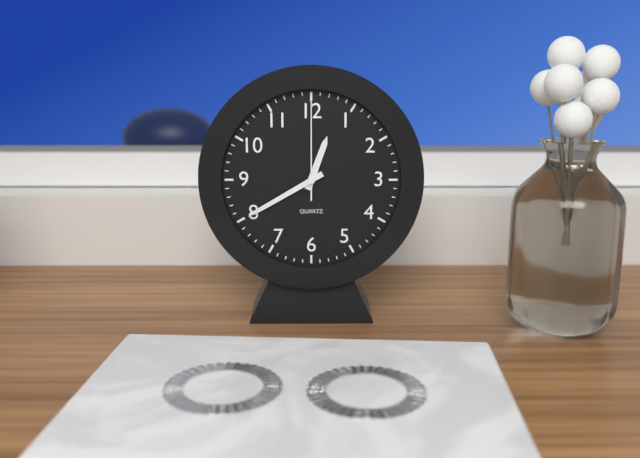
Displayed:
12,40,00
